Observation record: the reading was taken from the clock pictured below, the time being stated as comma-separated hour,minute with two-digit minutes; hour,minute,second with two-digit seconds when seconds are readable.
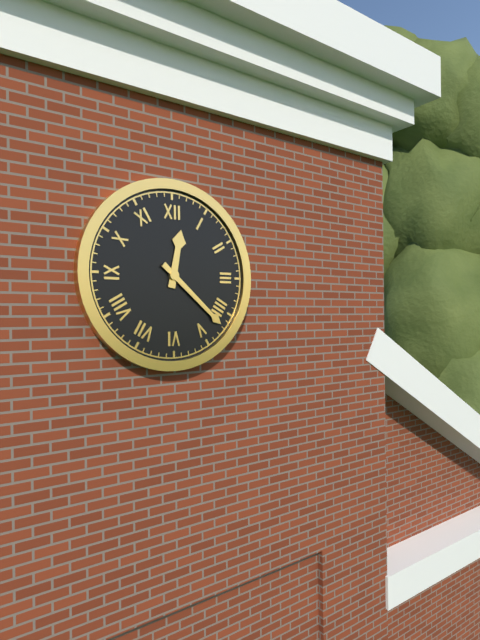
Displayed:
12,22
